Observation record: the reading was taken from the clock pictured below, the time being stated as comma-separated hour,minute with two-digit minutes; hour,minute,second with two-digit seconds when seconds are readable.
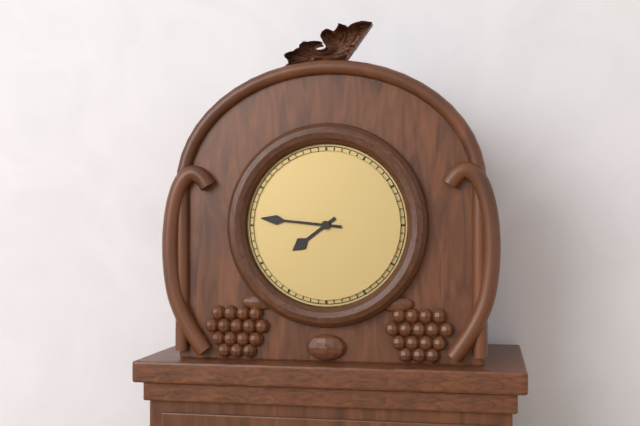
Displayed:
7,46
